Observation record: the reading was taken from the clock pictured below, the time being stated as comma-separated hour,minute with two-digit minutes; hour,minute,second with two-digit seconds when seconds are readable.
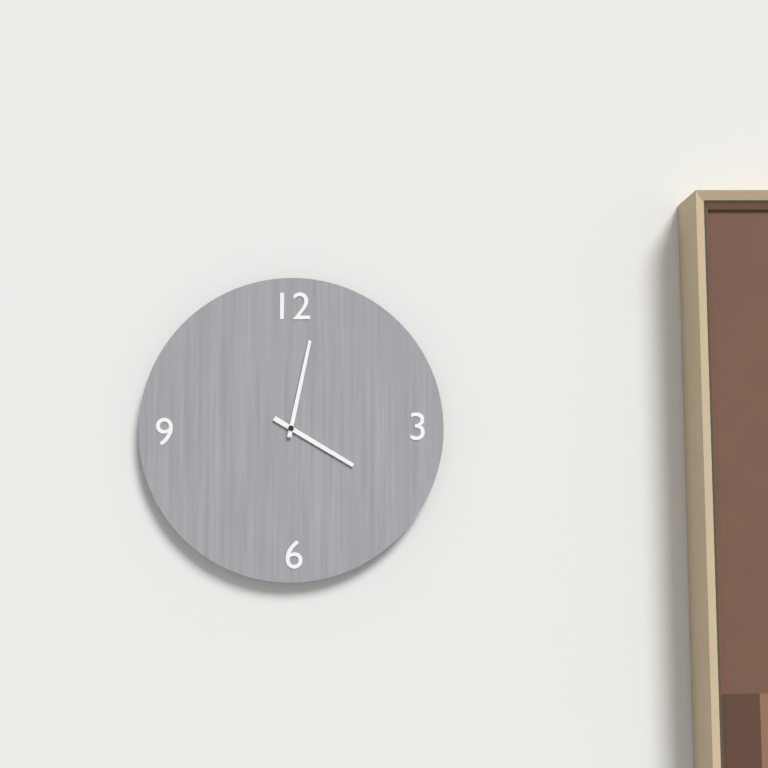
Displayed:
4,02
